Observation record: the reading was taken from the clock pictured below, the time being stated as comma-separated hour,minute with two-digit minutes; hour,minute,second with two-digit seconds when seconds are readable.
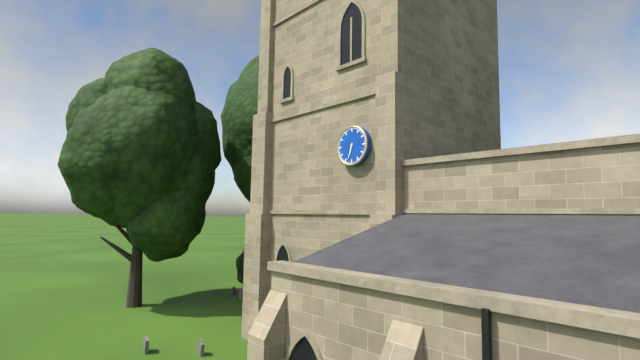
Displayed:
6,33
